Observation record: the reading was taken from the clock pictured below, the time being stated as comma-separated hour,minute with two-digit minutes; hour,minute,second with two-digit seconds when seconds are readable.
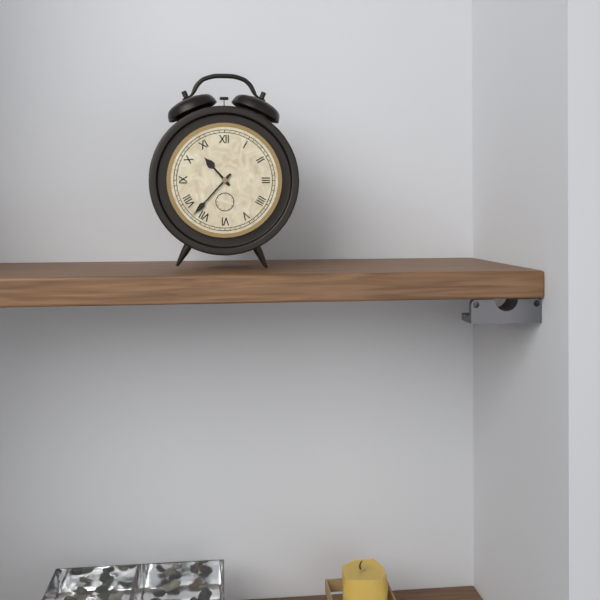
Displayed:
10,37
